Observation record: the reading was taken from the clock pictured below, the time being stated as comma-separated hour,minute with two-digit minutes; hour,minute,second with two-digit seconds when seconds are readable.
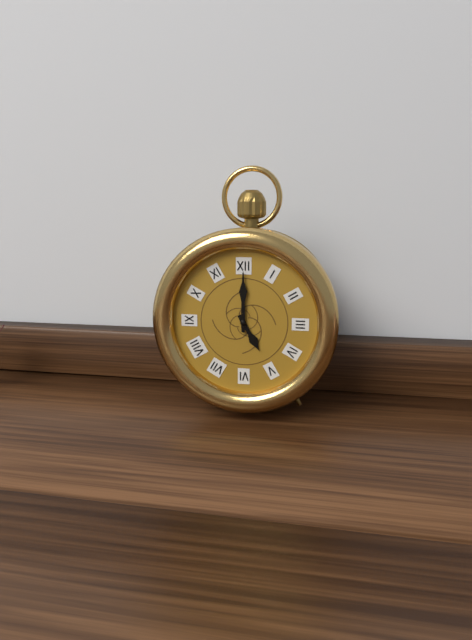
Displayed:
5,00
